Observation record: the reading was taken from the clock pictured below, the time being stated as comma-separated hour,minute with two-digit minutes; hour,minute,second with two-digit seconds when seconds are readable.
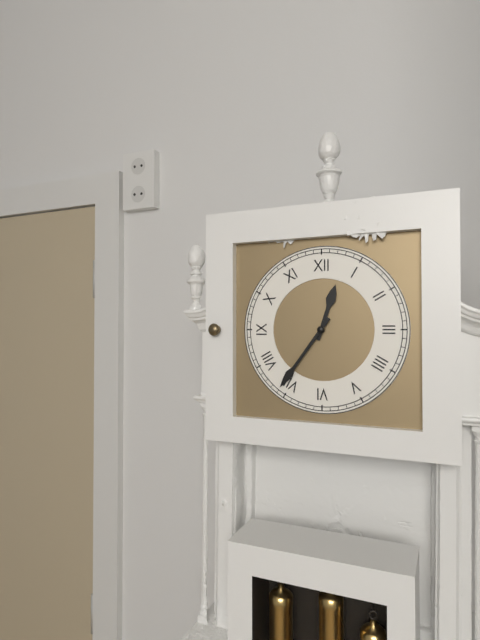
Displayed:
12,36
